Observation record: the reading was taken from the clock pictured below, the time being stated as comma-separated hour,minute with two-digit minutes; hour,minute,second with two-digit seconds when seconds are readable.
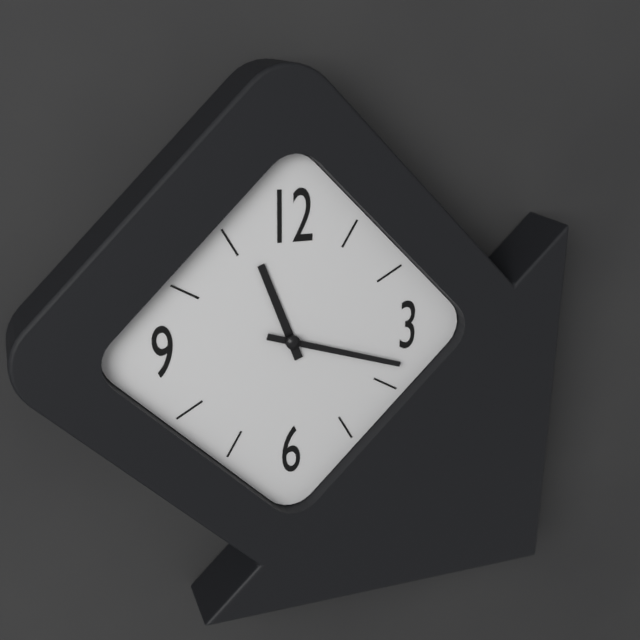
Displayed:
11,18
